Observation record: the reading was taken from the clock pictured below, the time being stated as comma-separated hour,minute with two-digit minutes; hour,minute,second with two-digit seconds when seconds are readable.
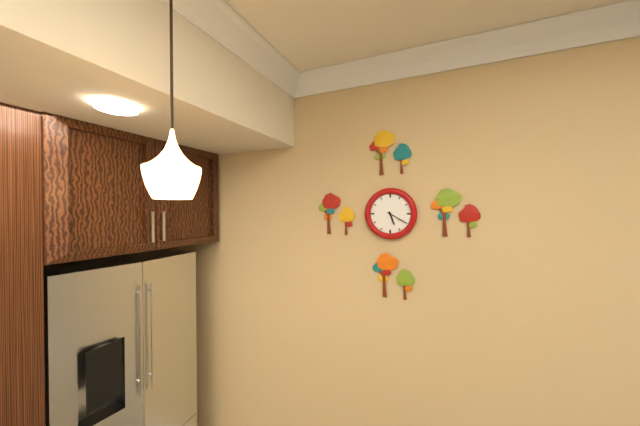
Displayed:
5,20
